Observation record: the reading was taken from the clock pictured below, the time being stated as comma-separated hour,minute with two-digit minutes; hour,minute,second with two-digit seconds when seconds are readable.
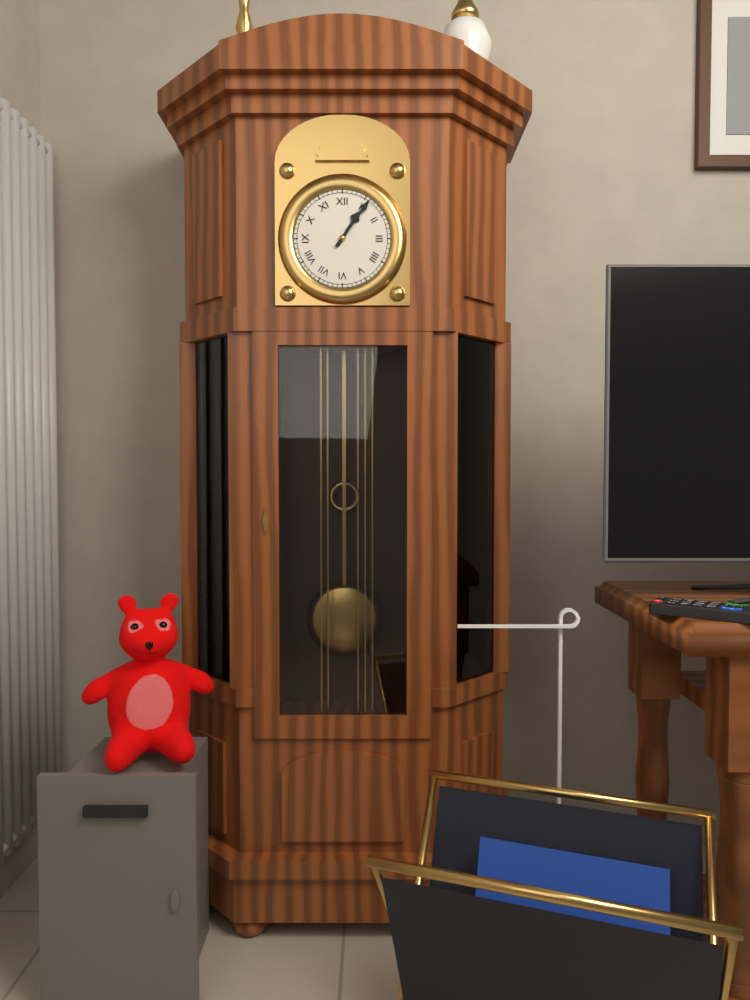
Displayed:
1,06
